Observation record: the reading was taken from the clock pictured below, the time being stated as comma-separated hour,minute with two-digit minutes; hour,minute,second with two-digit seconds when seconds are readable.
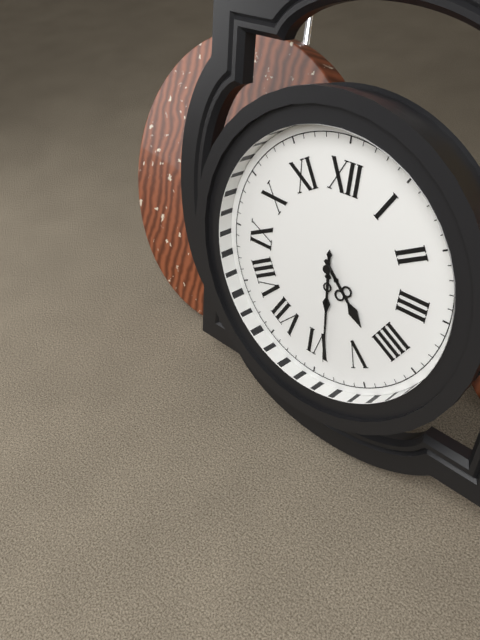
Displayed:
4,29
